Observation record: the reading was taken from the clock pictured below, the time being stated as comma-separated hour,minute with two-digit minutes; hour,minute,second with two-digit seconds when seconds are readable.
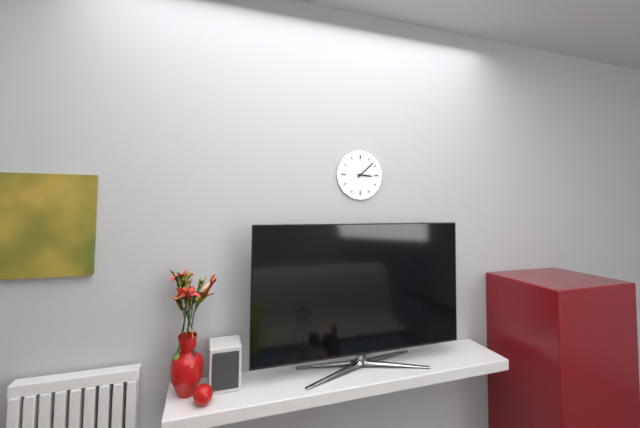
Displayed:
3,08
